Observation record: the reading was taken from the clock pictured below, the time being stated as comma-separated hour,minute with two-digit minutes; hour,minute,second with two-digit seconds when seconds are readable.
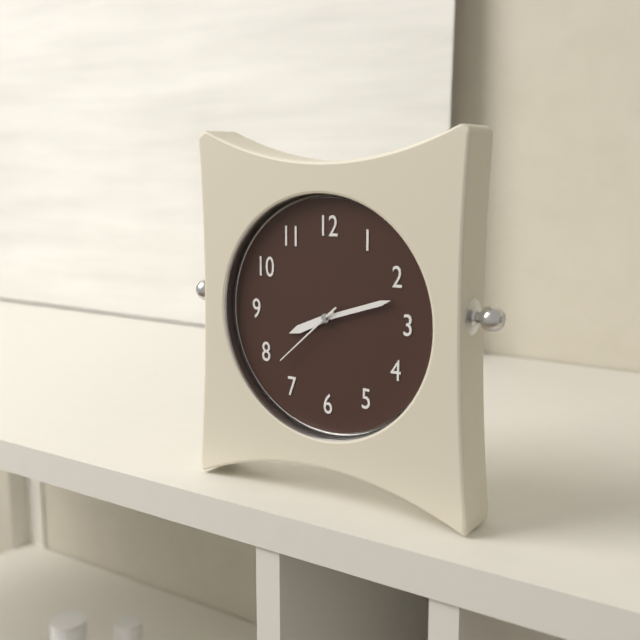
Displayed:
8,12,38
